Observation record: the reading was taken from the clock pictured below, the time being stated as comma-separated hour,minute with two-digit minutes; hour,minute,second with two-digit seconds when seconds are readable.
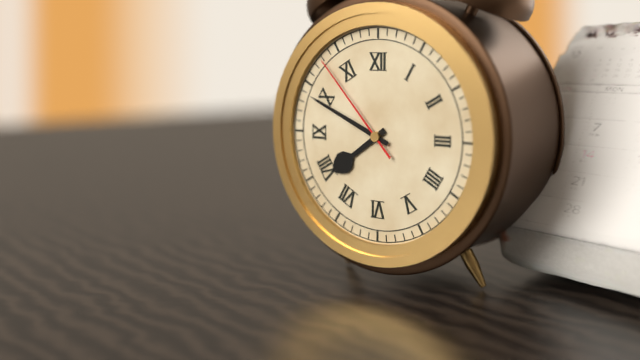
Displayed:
7,49,53
